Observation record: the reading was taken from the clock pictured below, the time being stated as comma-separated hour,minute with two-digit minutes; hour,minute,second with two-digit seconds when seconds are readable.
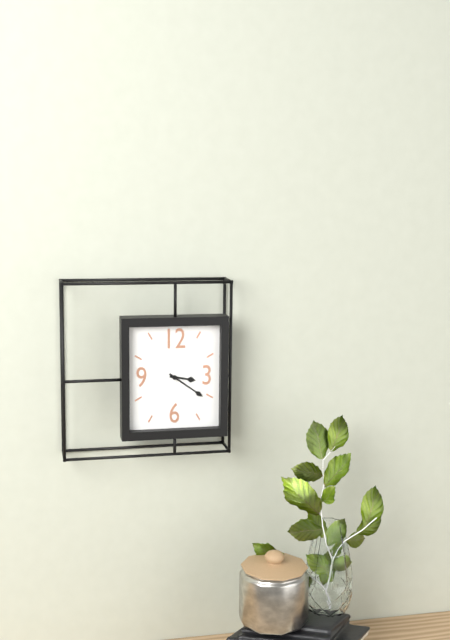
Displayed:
3,21
